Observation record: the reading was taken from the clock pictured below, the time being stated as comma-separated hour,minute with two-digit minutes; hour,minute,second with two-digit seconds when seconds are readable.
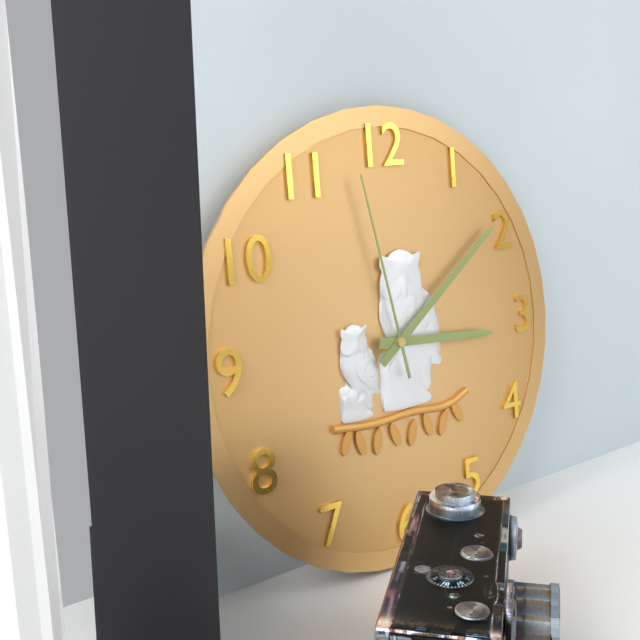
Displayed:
3,09,58
